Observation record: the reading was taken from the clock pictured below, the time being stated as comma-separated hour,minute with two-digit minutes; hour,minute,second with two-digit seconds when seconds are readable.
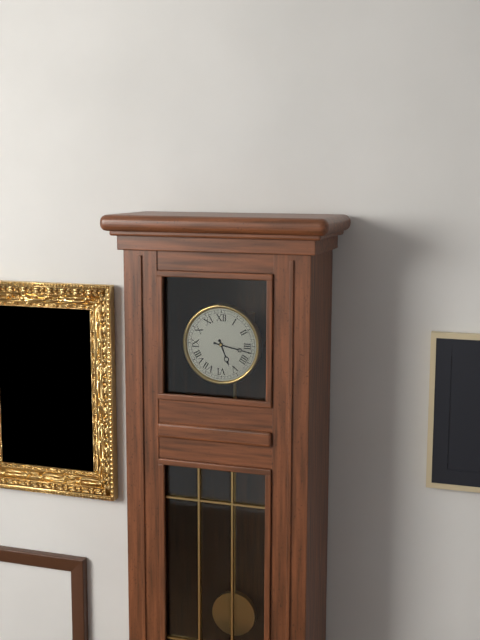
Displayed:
5,17
